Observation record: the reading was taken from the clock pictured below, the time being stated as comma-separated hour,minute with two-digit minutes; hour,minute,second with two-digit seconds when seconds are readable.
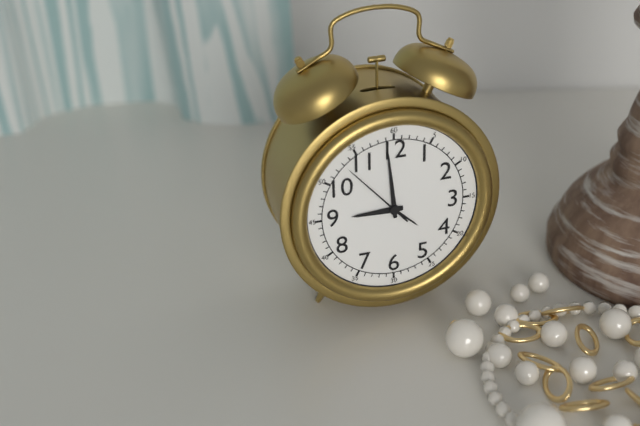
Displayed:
8,59,53
